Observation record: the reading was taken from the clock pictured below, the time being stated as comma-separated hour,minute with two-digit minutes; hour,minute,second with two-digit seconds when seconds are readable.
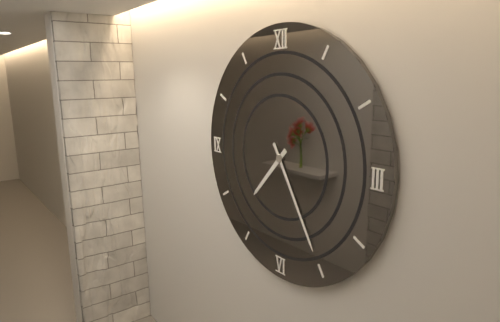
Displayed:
7,25
